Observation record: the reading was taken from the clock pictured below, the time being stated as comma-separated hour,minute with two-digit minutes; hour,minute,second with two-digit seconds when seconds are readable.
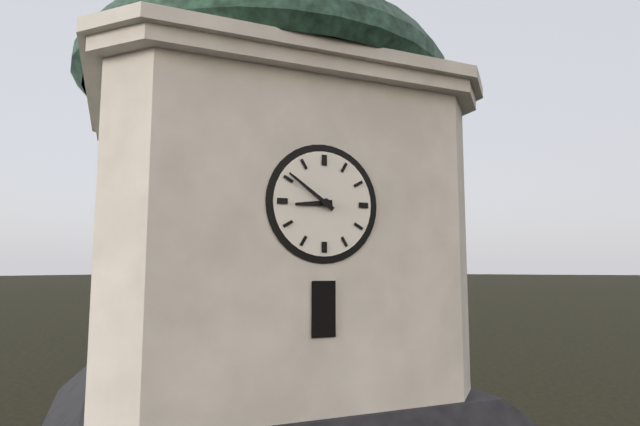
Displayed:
8,51
